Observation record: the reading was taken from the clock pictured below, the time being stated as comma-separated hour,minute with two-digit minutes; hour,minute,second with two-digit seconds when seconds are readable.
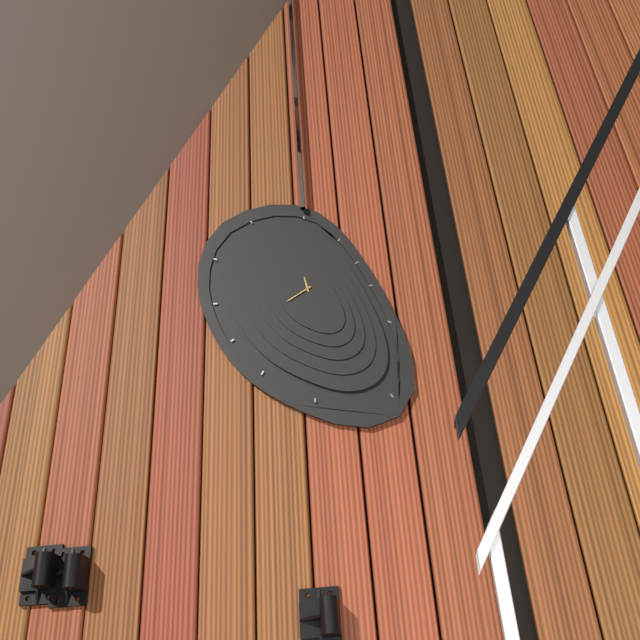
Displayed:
11,40
